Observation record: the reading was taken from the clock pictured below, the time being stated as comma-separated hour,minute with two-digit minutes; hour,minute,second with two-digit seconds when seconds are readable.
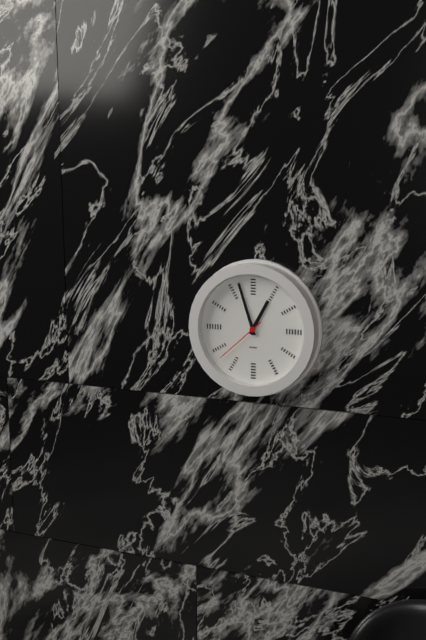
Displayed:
12,57,38
